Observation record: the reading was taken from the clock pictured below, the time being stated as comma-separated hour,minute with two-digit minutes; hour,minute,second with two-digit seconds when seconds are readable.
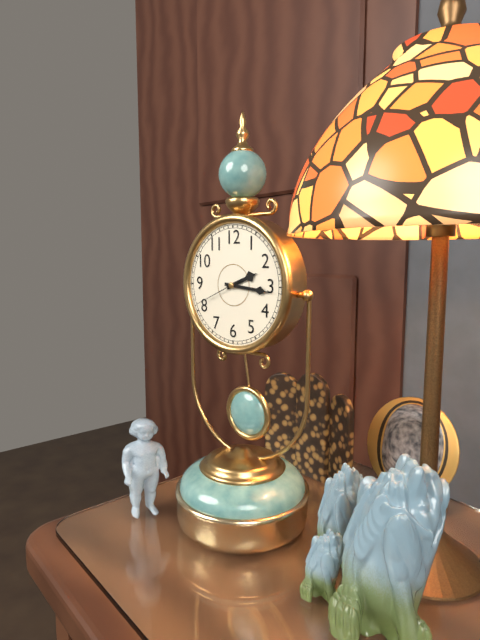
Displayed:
2,16,41
